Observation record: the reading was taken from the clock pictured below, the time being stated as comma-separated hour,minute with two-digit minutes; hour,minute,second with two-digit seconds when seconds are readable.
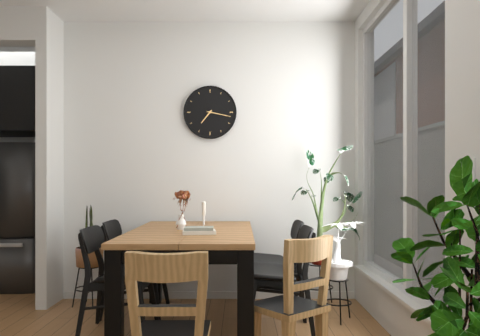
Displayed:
7,17
